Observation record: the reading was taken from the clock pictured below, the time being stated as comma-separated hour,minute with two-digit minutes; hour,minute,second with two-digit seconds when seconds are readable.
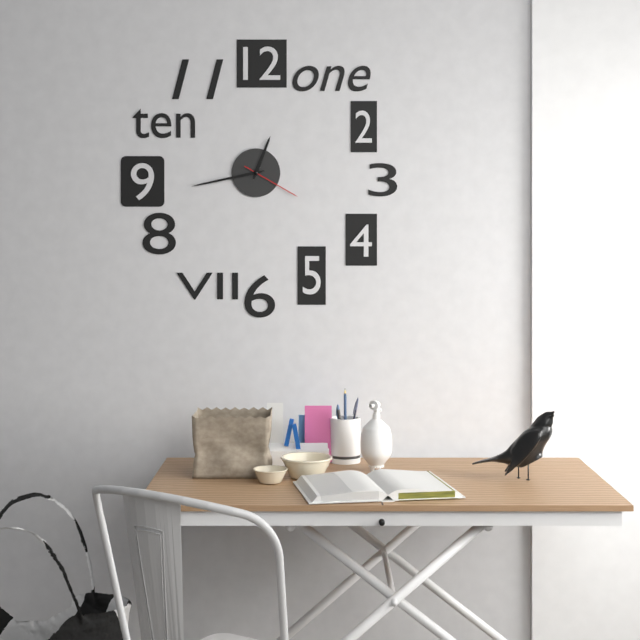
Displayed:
12,43,20
